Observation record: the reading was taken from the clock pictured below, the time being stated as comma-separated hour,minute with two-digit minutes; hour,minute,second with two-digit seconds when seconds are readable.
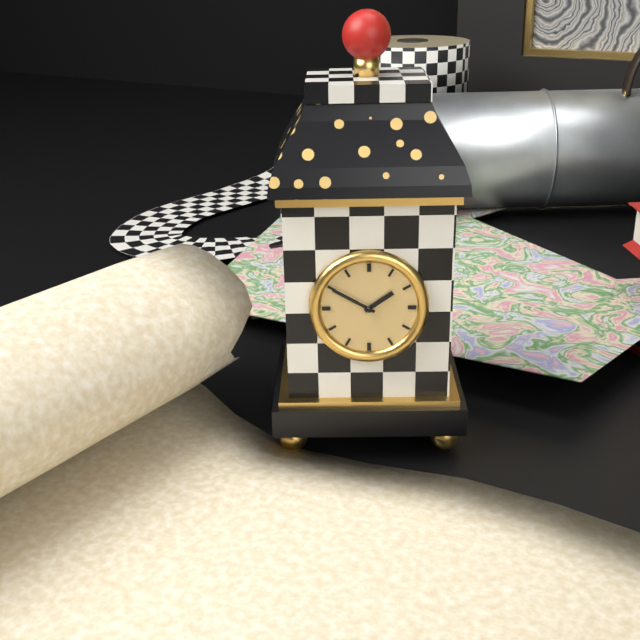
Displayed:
1,50
